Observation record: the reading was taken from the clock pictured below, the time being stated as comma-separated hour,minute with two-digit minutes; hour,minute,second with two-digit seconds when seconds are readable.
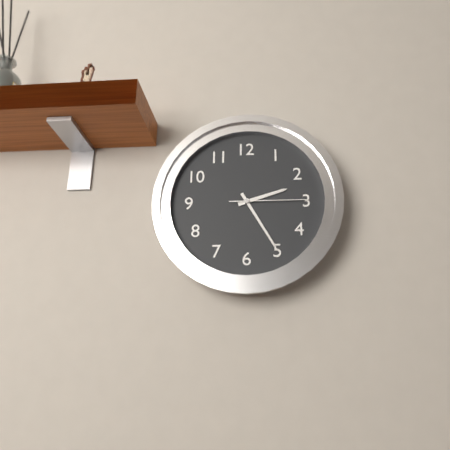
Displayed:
2,25,15
